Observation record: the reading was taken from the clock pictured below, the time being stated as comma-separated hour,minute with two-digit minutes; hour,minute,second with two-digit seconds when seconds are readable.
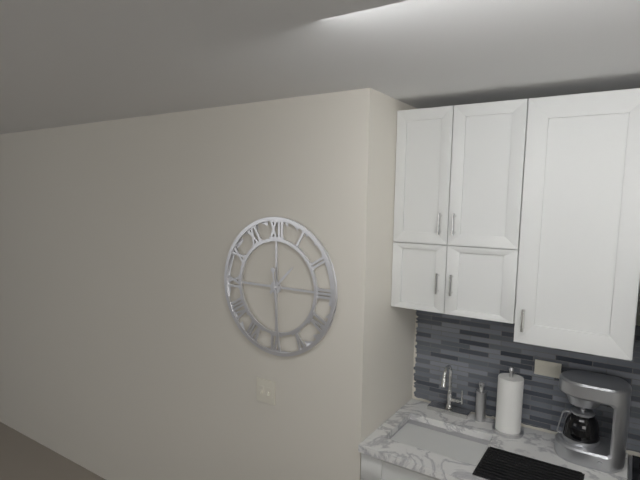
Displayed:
1,29
